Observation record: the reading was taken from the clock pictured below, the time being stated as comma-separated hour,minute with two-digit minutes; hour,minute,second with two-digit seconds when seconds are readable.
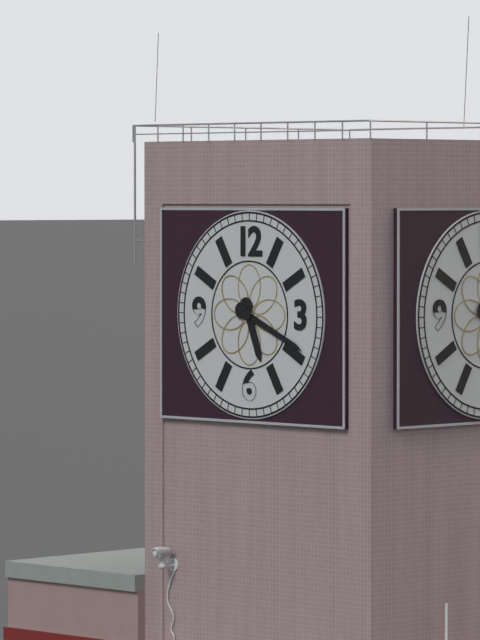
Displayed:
5,19
